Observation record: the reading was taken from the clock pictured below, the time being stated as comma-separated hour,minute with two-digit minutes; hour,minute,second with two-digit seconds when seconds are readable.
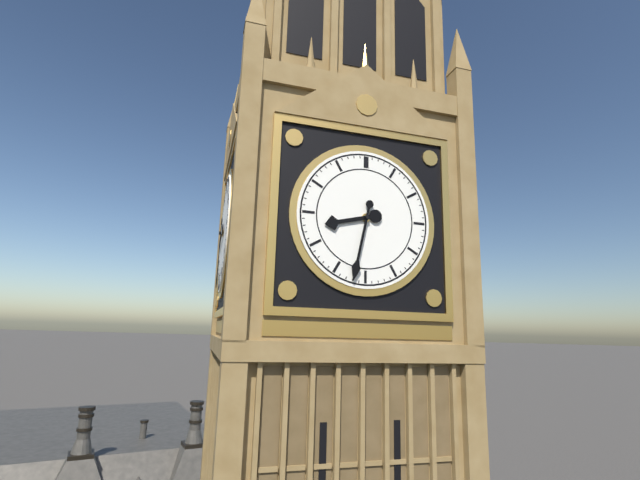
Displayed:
8,32
